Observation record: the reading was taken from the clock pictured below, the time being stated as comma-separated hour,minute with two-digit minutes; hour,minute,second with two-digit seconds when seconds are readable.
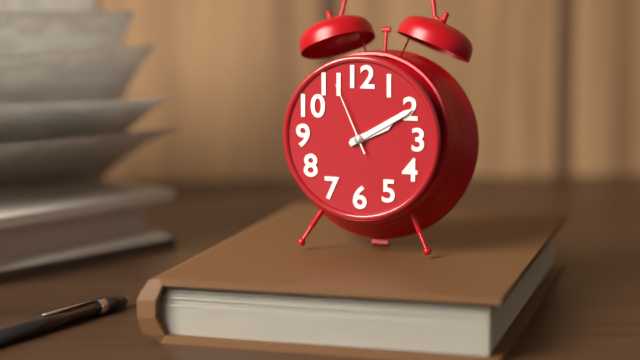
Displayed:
2,10,56
